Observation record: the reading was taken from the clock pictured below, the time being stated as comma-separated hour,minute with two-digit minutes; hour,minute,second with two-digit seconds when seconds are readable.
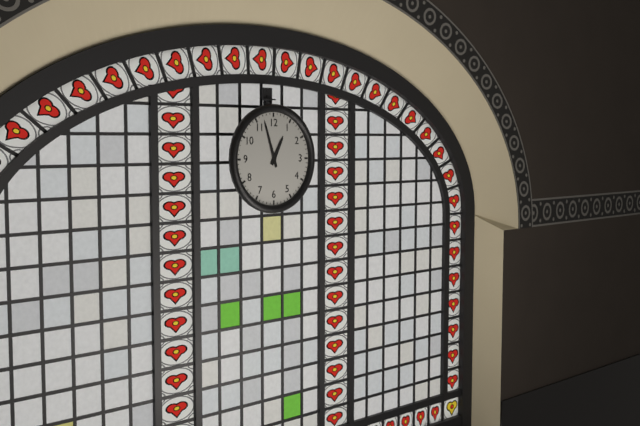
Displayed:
12,57
